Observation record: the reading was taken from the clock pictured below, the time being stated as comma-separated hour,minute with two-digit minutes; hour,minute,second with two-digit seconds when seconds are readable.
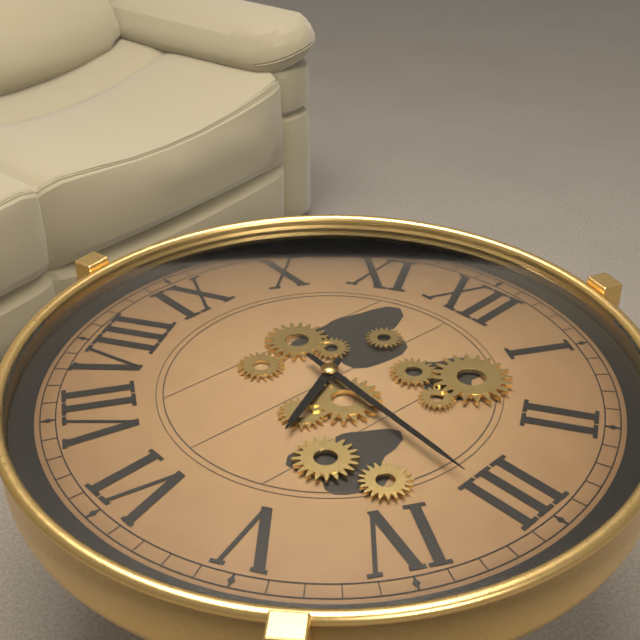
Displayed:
5,16
